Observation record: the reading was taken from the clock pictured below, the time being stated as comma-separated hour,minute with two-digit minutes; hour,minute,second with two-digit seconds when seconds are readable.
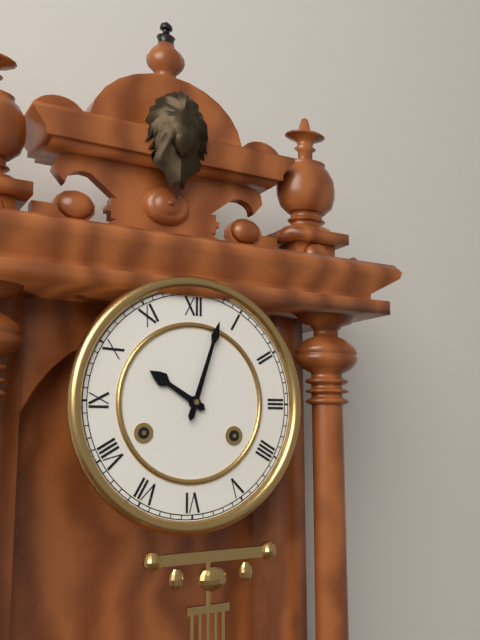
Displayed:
10,03
